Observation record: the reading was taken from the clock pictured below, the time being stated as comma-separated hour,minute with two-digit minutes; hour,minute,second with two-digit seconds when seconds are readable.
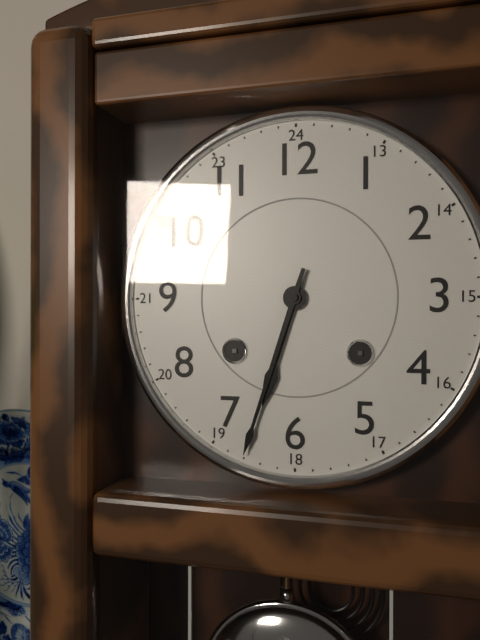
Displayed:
6,33
